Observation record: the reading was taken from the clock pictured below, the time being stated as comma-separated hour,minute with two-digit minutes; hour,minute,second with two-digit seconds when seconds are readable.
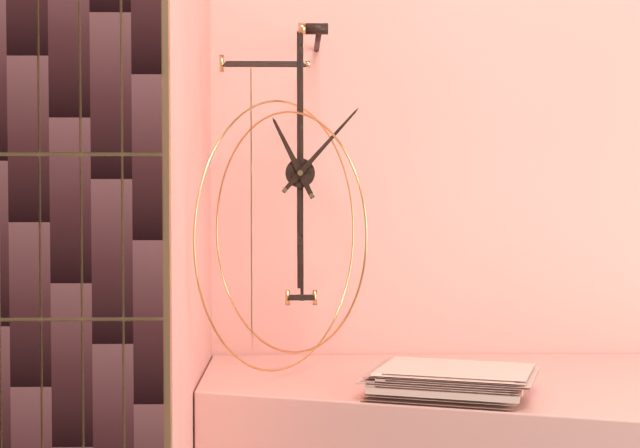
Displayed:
11,07
